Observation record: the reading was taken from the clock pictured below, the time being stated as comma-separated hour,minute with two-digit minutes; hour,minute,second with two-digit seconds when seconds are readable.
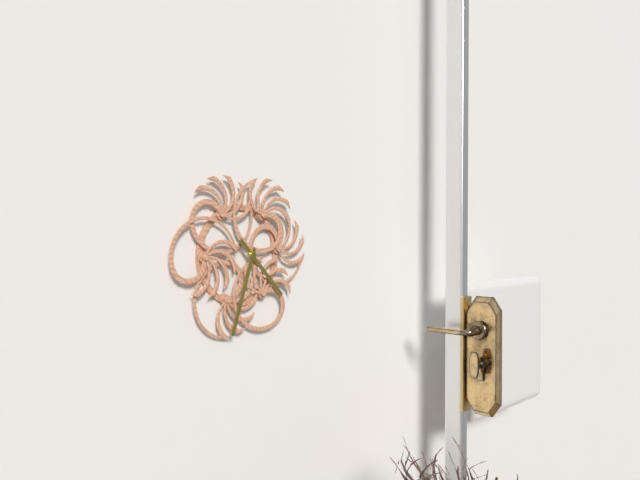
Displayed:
4,33
